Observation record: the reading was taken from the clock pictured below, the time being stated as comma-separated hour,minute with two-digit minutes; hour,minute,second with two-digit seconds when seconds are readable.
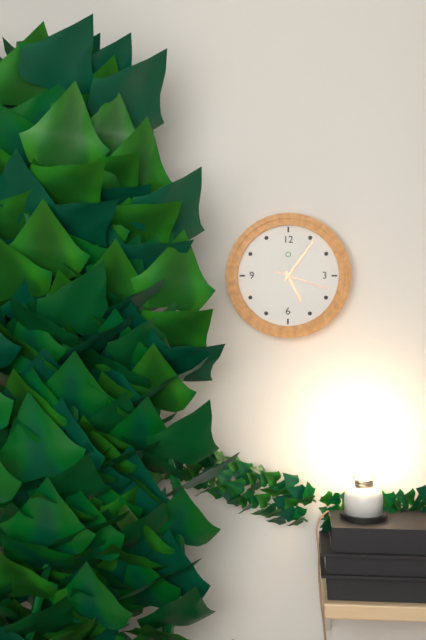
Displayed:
5,06,18
